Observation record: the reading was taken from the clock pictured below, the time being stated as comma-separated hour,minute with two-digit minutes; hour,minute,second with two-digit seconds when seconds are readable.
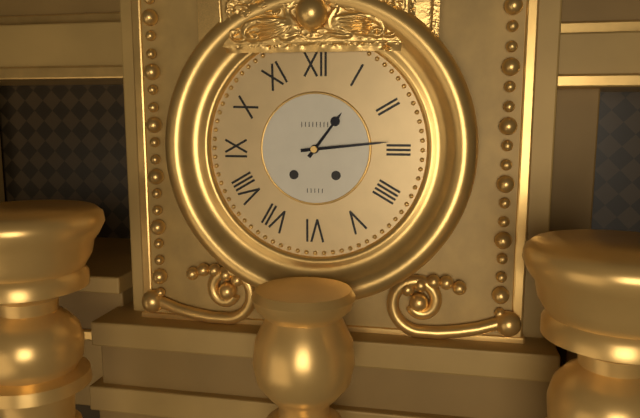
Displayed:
1,14
